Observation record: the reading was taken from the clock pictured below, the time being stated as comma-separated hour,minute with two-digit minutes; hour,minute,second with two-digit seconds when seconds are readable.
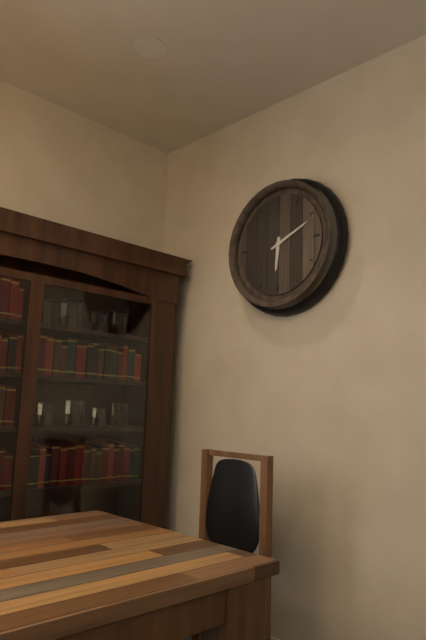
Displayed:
6,11
